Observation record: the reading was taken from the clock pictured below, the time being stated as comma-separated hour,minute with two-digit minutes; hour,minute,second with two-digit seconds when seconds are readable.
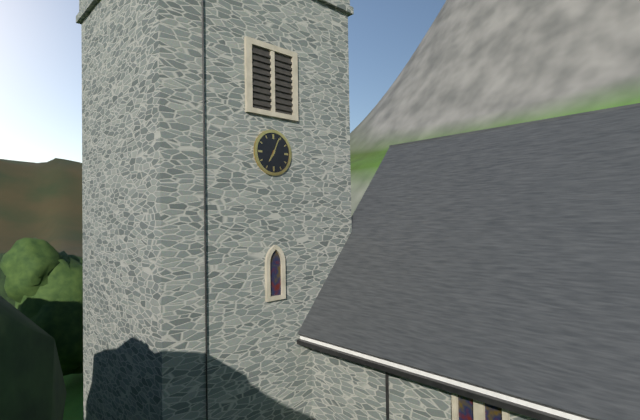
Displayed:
7,04
